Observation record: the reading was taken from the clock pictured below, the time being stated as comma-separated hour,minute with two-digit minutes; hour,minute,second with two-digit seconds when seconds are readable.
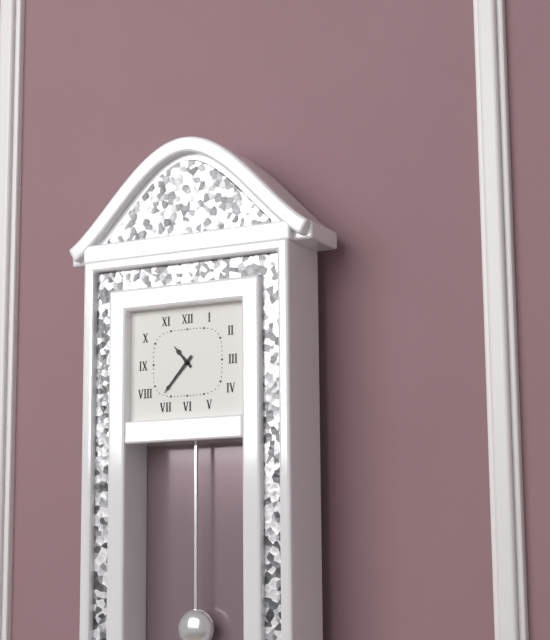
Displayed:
10,37
